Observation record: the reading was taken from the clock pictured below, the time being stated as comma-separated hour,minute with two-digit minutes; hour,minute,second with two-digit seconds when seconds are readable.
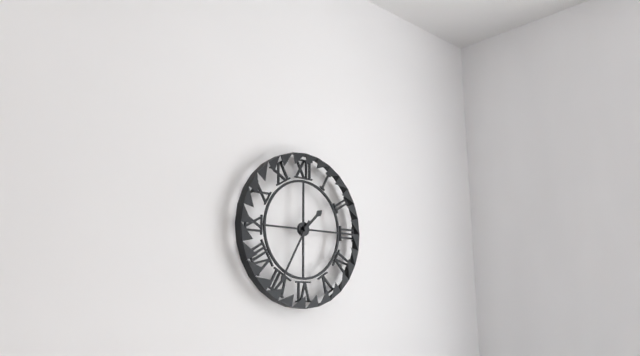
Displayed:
1,35
